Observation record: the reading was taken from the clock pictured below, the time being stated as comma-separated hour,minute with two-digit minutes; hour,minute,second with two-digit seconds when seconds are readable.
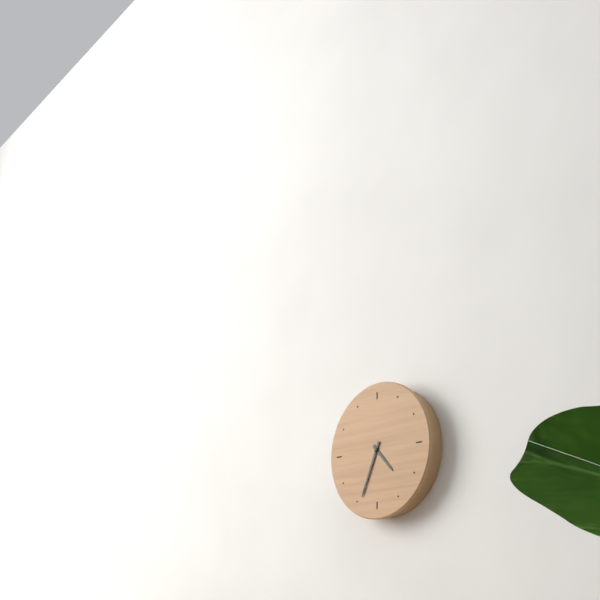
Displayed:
4,34
